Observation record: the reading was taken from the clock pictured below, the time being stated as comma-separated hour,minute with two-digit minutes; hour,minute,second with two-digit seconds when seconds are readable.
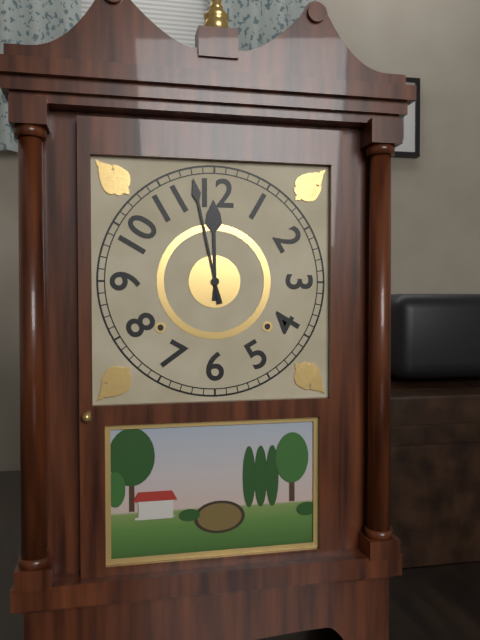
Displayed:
11,58
